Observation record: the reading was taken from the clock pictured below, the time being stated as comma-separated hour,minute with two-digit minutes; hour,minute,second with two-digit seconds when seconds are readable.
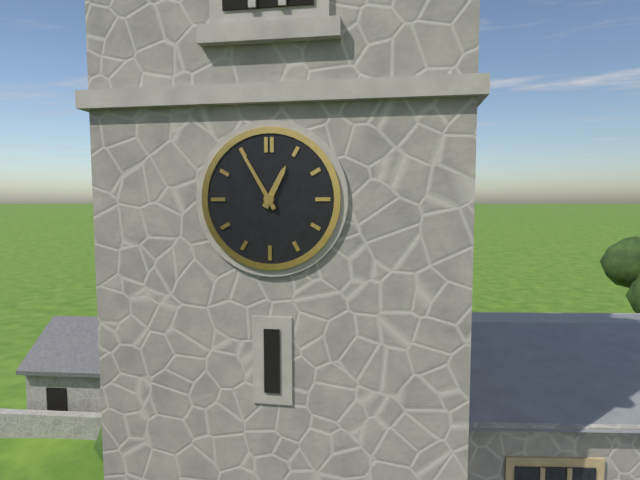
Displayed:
12,55
